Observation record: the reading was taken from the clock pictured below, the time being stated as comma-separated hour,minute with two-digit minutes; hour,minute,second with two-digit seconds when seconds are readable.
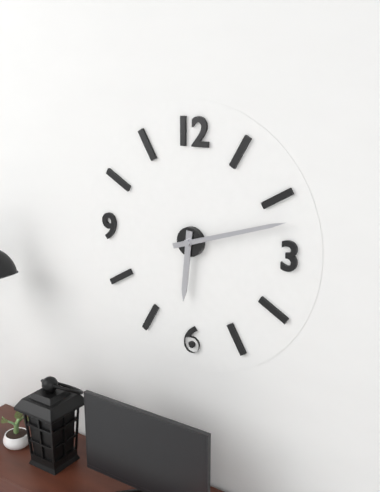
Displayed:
6,12
